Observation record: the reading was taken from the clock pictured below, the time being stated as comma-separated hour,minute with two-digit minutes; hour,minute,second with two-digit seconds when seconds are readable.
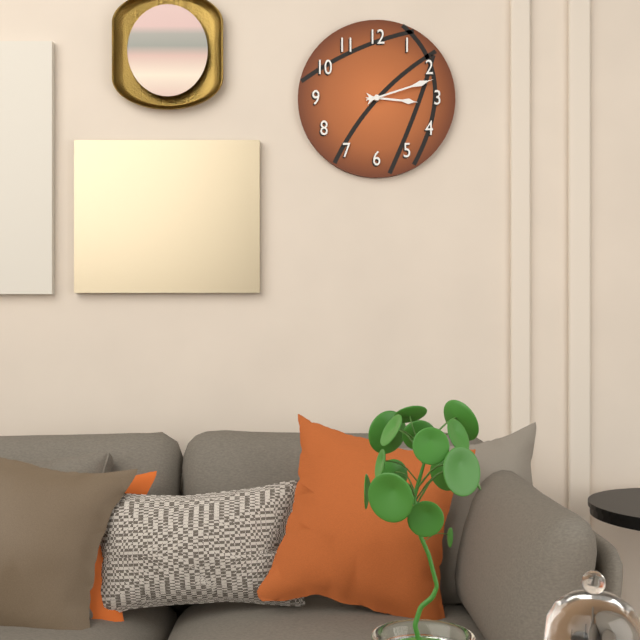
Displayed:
3,12
